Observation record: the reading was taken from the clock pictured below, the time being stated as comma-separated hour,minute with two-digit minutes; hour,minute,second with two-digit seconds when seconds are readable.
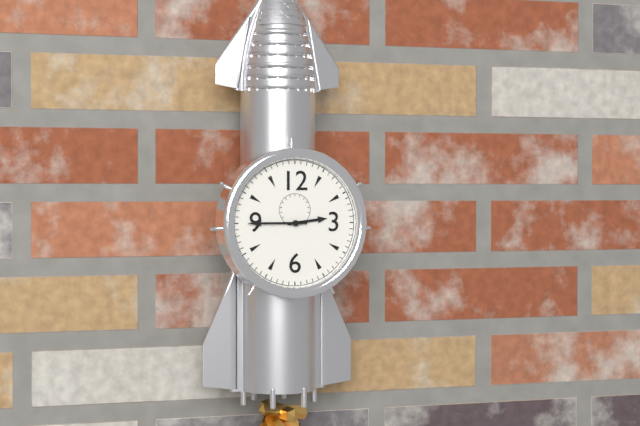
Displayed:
2,45
